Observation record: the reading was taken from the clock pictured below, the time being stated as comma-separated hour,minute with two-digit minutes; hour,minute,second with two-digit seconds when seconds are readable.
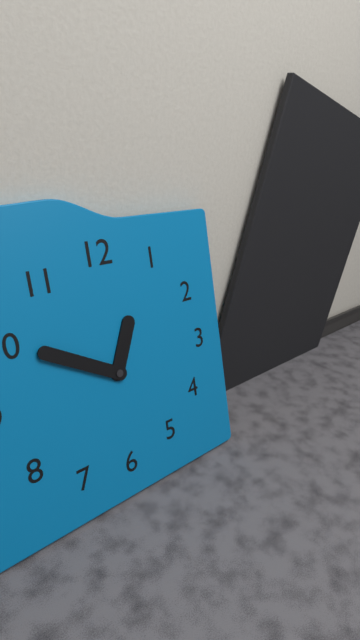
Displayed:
12,50
